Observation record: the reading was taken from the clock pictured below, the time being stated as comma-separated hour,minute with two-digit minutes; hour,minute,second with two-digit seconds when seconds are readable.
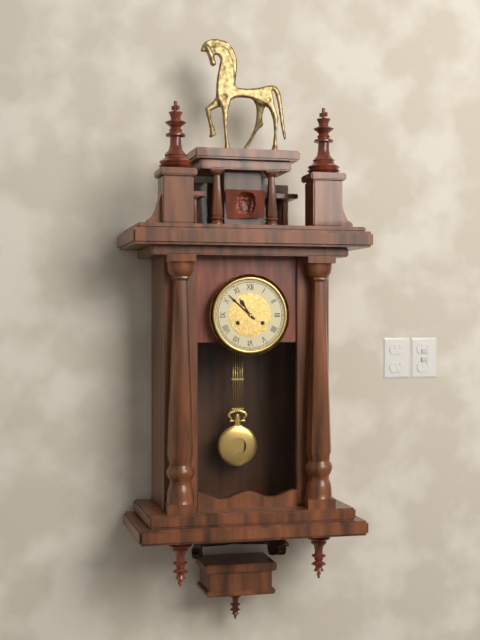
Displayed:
10,52
